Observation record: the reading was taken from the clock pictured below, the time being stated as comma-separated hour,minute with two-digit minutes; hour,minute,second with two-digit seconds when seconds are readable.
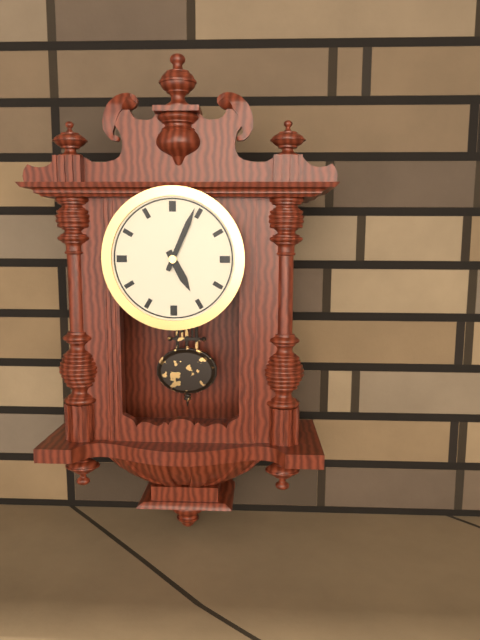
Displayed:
5,04
